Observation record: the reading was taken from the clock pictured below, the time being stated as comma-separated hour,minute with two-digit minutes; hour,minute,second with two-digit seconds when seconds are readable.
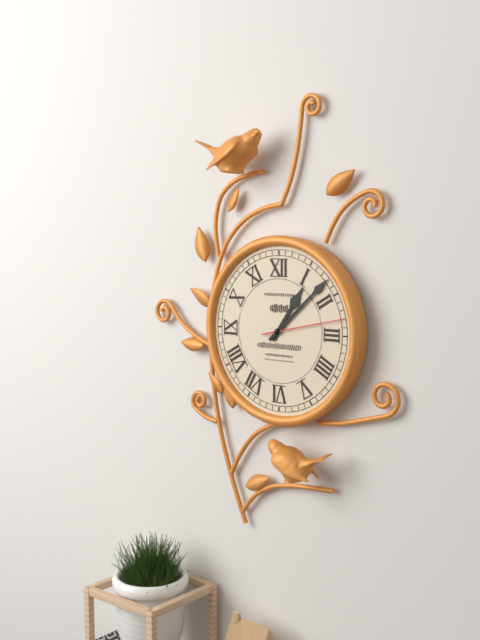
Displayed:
1,08,13
